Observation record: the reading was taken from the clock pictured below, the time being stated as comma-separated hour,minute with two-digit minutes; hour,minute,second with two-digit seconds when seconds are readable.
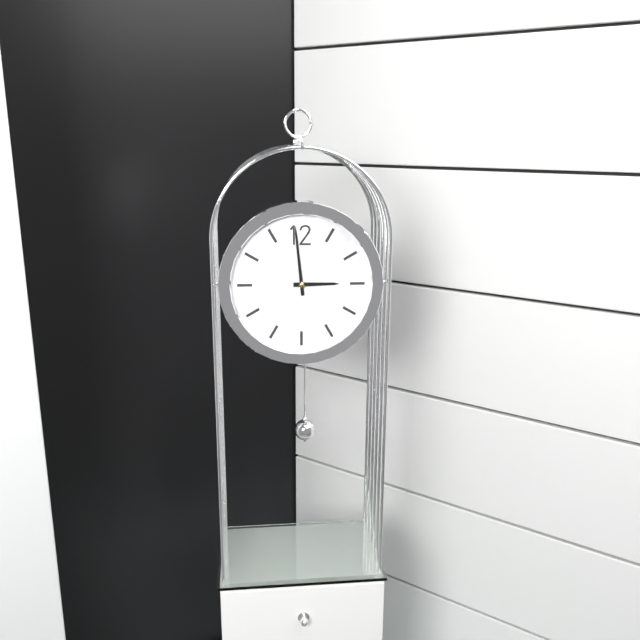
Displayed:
2,59
